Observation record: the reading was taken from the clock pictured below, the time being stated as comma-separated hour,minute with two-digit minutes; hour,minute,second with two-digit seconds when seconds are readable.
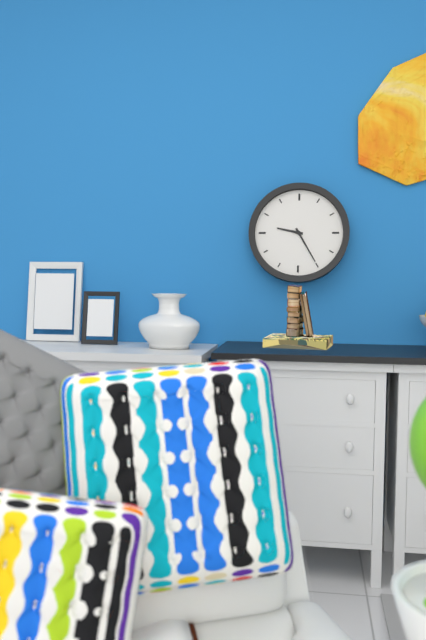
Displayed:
9,25
